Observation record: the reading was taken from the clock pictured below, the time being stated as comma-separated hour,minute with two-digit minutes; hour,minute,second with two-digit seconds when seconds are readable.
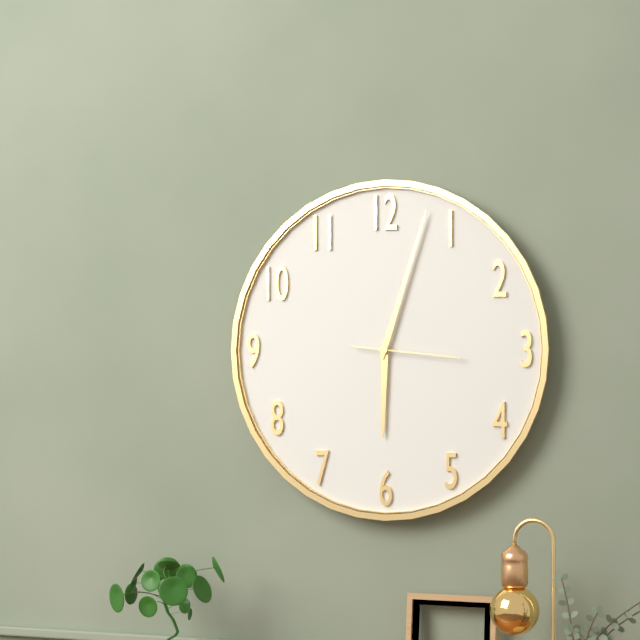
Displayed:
6,03,16
